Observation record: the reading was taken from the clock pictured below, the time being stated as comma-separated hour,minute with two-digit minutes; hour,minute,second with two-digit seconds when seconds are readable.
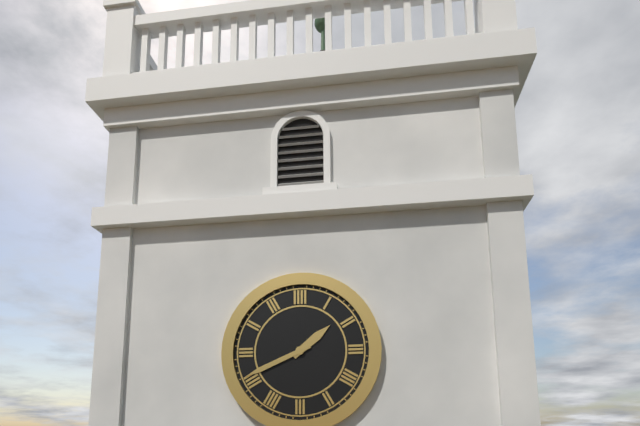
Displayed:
1,41
